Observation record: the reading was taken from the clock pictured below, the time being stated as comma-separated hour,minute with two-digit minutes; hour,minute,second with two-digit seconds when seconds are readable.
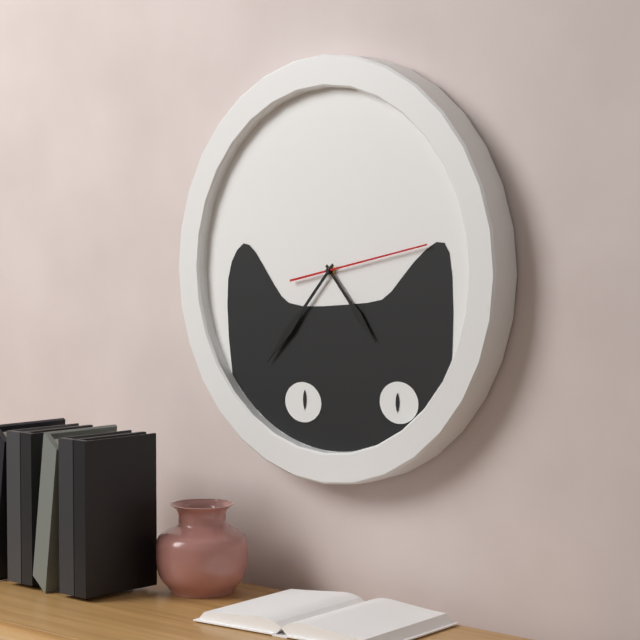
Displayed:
4,37,13
